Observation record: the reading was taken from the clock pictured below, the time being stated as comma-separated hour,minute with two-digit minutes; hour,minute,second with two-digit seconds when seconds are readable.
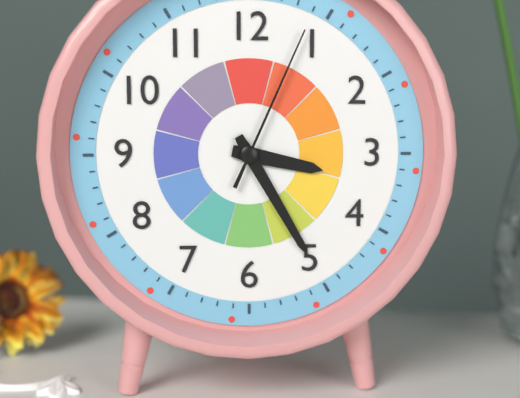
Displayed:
3,25,04
